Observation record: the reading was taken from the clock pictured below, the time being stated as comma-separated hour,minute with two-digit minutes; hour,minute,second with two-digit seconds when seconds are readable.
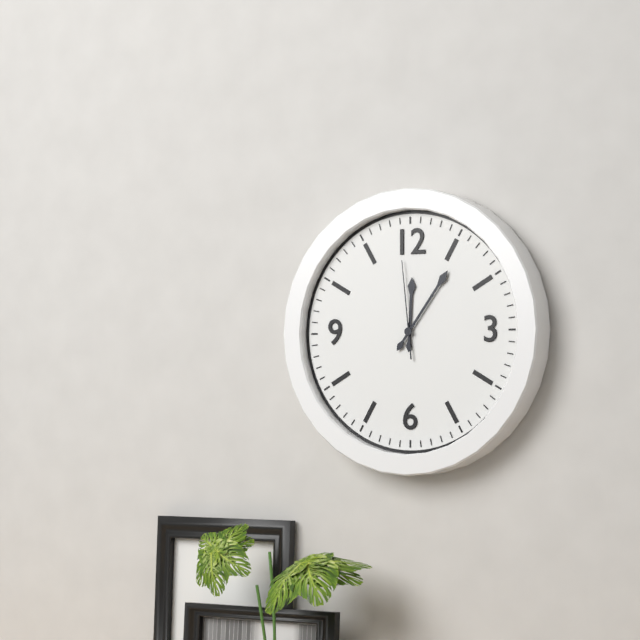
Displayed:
12,06,59
